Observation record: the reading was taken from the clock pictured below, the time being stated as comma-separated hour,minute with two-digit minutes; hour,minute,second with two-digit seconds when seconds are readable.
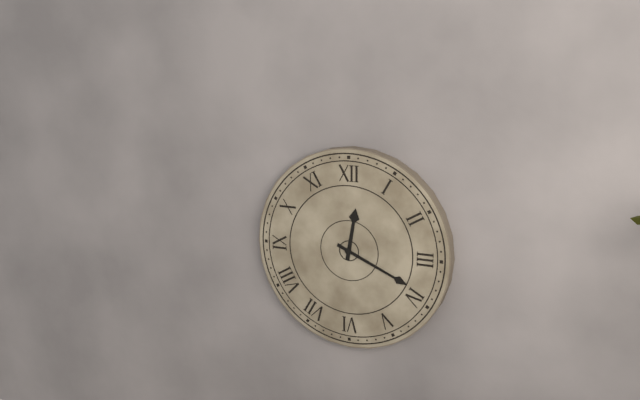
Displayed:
12,19
